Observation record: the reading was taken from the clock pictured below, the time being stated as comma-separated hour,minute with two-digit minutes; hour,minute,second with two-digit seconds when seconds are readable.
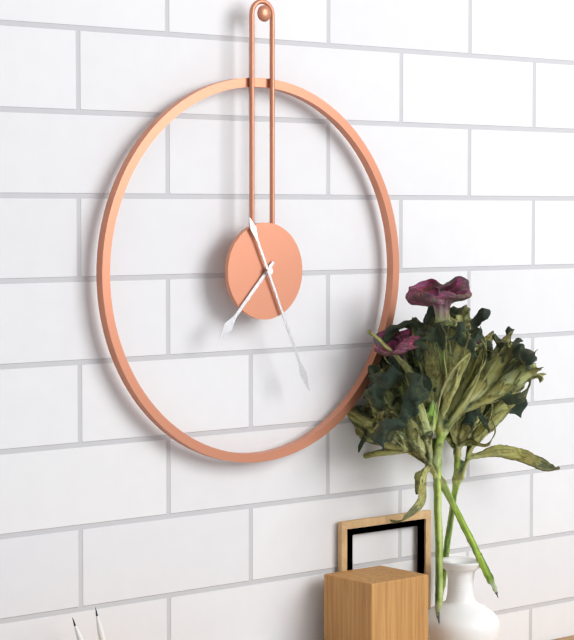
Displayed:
7,26
